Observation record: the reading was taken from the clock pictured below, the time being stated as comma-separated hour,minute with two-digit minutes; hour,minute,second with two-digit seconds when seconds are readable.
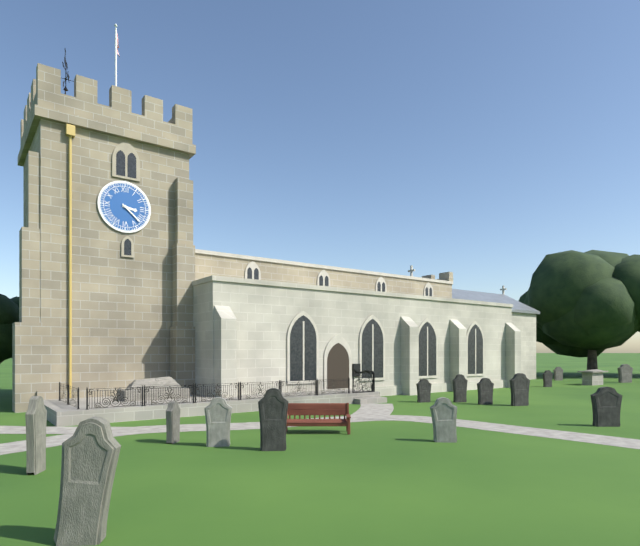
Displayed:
3,22
